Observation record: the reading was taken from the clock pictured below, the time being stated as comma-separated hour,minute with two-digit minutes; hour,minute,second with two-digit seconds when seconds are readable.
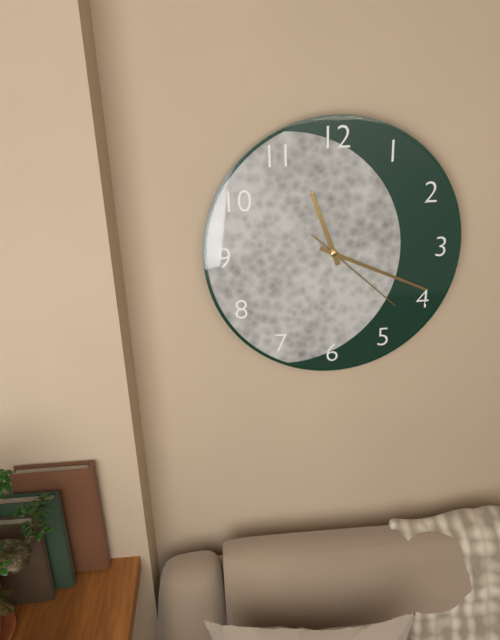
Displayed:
11,19,22
